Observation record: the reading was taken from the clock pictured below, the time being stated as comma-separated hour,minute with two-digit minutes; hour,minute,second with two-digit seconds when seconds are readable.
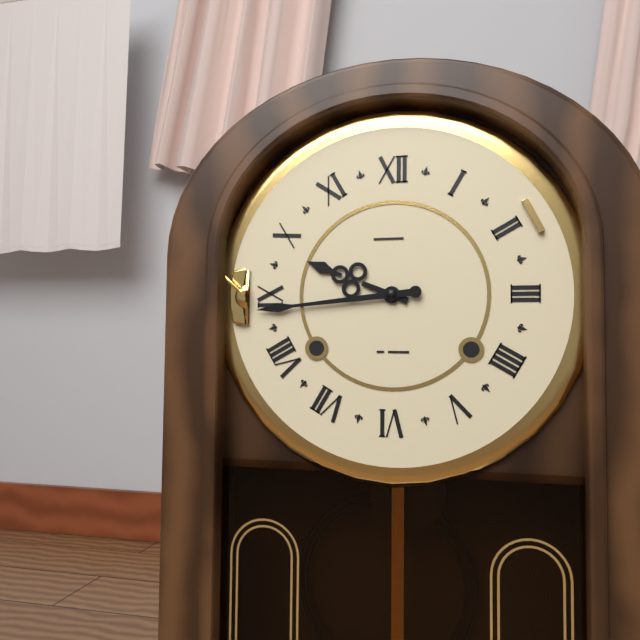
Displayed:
9,44
